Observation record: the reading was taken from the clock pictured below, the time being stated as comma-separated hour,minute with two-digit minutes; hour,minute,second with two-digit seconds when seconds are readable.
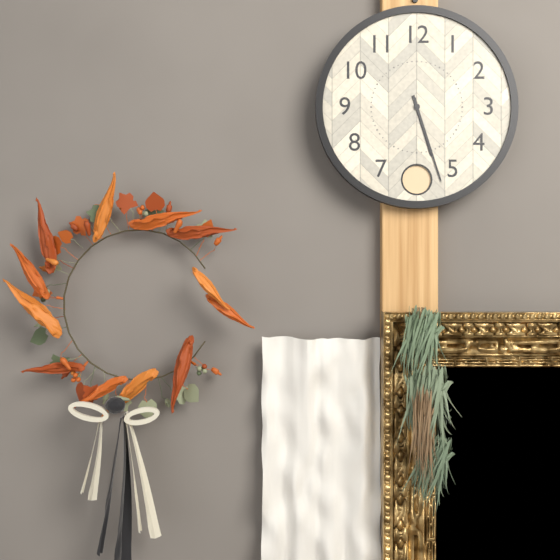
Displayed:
5,27
